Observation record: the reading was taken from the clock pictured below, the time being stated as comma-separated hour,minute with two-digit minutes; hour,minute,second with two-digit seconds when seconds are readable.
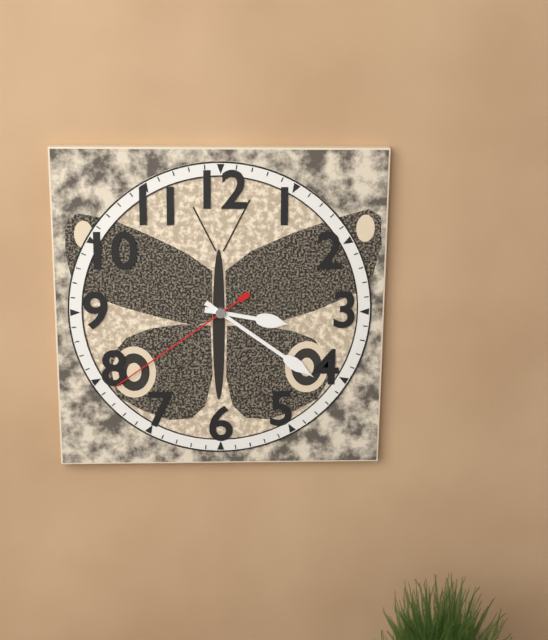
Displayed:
3,21,39
